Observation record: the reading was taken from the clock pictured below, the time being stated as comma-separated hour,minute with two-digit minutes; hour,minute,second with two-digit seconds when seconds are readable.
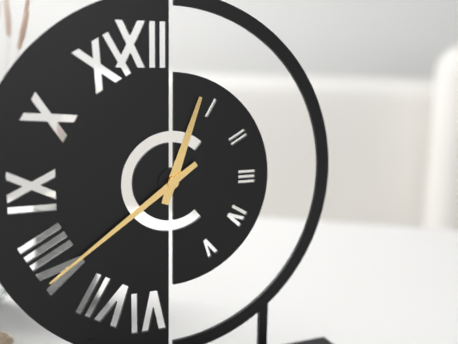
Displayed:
12,39
